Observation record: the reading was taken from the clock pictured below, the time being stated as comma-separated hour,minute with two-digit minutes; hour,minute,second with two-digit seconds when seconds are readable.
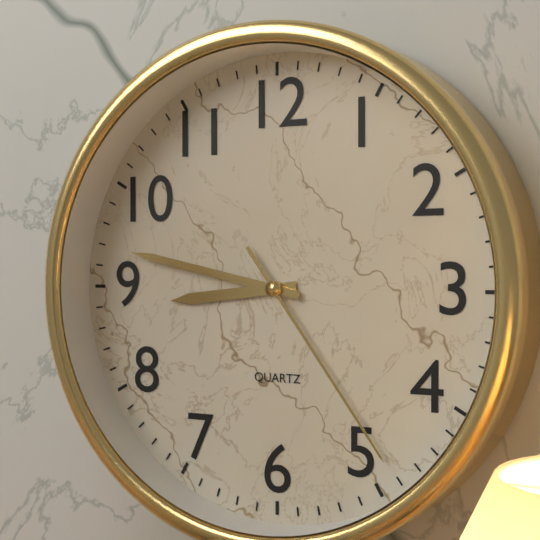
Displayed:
8,47,24
